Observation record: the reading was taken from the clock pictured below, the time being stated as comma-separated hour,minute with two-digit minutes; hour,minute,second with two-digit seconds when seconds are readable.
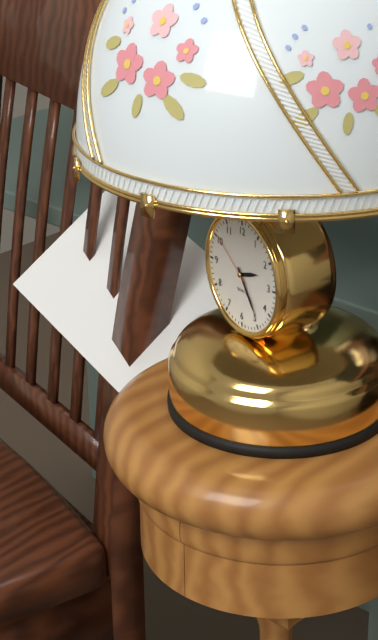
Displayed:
2,24,51
